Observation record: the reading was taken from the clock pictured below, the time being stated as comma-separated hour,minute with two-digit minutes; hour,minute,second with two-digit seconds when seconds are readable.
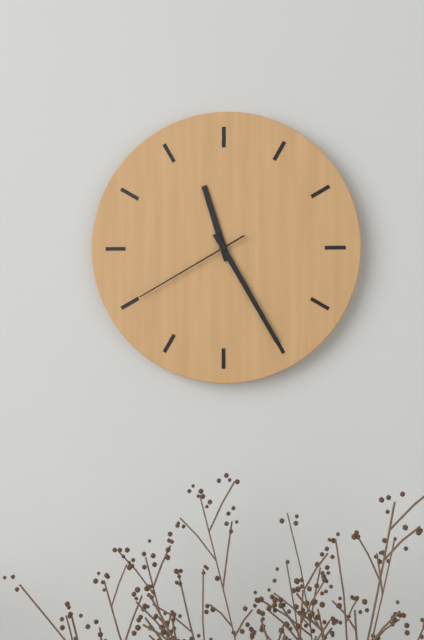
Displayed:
11,25,40
